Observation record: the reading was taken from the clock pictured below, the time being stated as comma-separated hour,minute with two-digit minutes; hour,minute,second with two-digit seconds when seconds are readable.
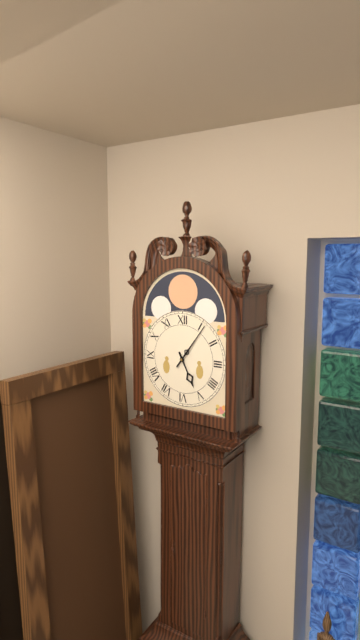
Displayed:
5,06
